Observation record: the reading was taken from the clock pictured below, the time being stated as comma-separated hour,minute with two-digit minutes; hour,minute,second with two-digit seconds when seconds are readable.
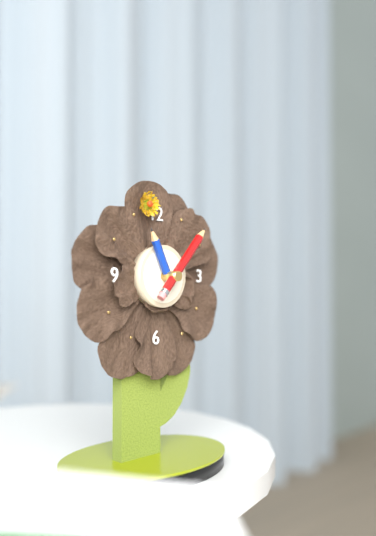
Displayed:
11,07
